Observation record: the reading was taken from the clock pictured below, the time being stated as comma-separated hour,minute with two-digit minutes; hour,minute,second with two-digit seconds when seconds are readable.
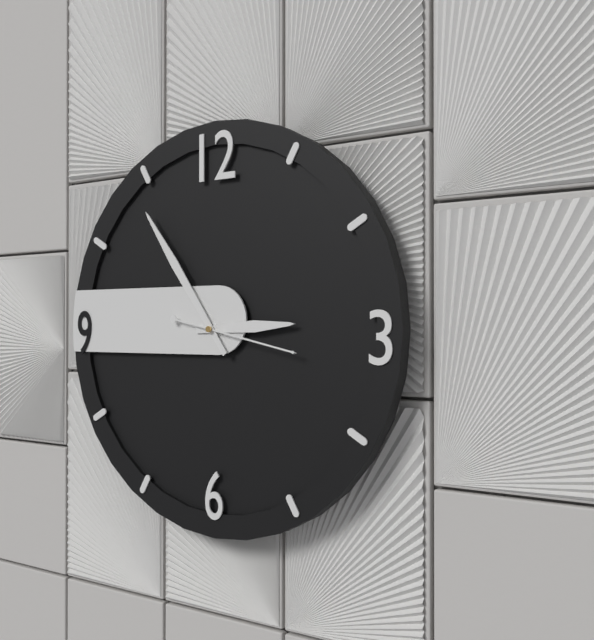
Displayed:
2,54,17
